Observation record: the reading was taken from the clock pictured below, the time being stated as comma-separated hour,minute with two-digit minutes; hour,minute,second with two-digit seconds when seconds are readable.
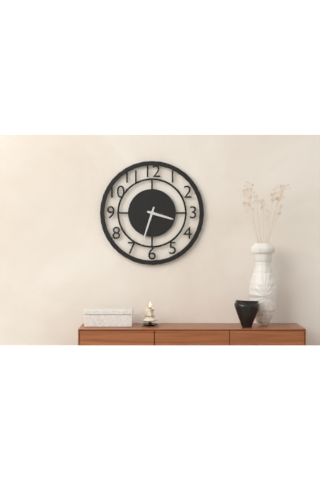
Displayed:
3,33
